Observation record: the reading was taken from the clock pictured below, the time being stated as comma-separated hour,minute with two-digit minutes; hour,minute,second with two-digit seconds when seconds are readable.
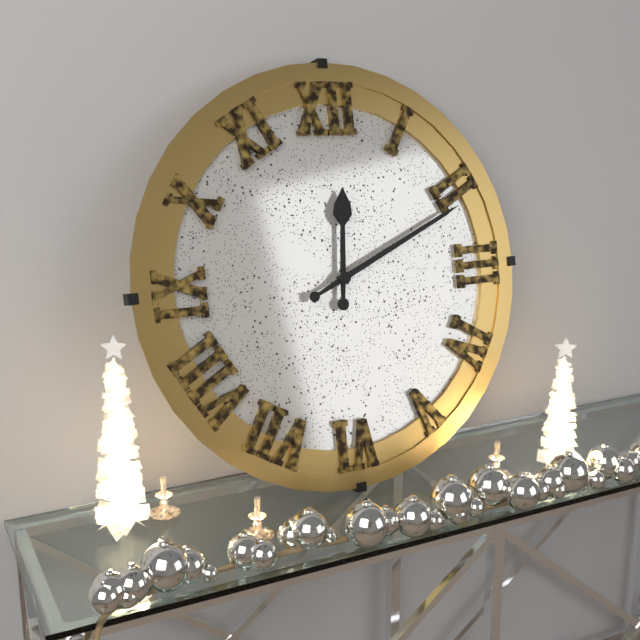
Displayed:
12,11
